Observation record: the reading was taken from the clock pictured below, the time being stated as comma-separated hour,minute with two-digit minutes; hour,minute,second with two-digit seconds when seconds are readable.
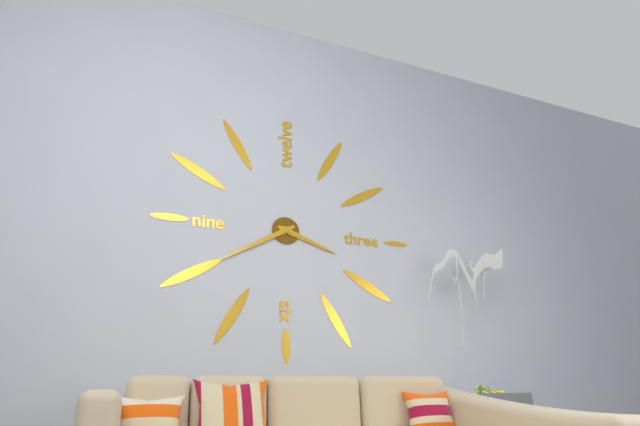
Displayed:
3,40
